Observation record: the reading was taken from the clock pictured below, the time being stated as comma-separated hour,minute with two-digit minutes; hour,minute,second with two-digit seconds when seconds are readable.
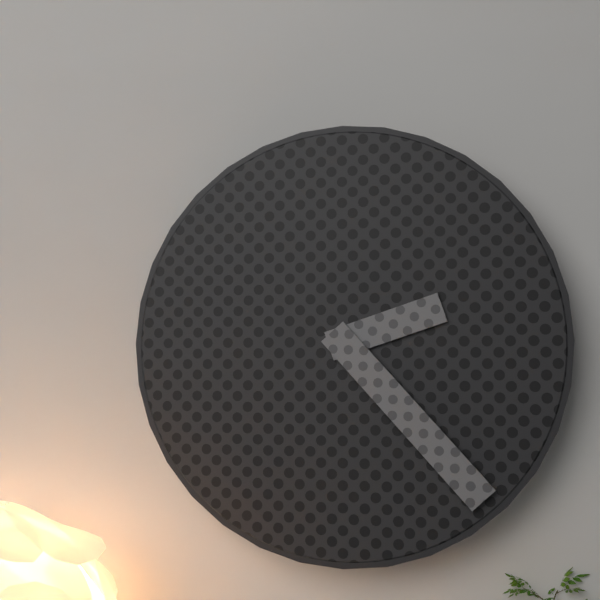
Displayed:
2,23
